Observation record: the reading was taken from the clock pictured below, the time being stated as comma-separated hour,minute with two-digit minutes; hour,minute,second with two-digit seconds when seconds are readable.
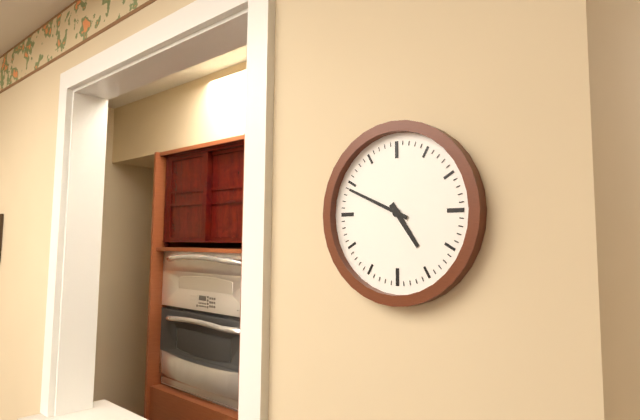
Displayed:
4,49
